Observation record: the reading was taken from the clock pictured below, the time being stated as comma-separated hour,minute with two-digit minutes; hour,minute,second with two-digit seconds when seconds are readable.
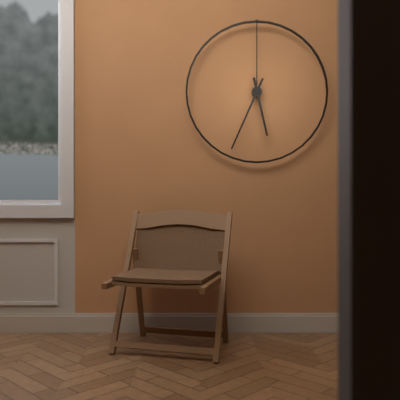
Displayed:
5,34
